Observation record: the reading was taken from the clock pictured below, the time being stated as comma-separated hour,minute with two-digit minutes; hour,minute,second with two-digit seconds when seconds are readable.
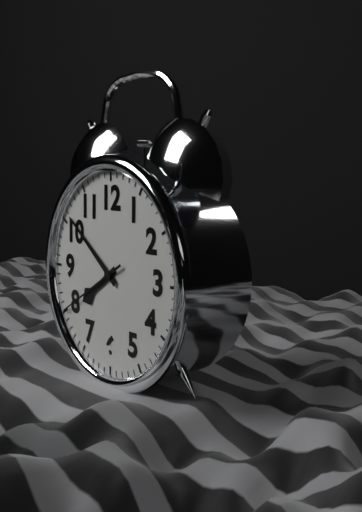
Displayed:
7,51,40
